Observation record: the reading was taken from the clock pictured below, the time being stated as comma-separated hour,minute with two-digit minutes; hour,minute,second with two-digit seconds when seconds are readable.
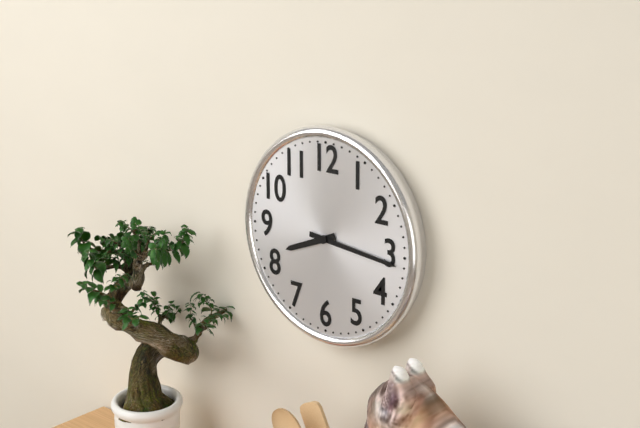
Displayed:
8,16
